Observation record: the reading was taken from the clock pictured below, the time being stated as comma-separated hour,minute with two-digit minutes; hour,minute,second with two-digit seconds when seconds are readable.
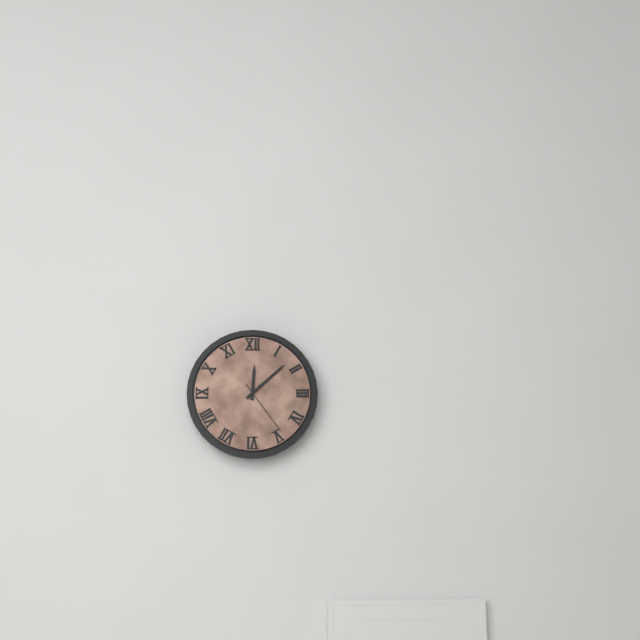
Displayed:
12,08,24
